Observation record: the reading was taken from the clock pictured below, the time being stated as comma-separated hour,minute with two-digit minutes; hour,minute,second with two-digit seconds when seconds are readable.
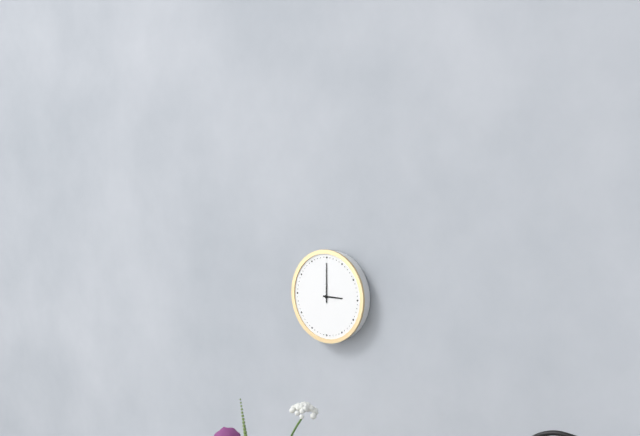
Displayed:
3,00
